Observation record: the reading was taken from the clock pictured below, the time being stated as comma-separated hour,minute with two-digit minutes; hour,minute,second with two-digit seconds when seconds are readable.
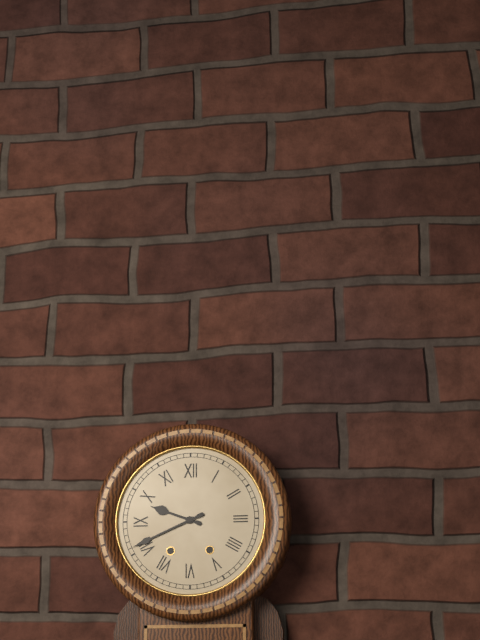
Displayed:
9,41
